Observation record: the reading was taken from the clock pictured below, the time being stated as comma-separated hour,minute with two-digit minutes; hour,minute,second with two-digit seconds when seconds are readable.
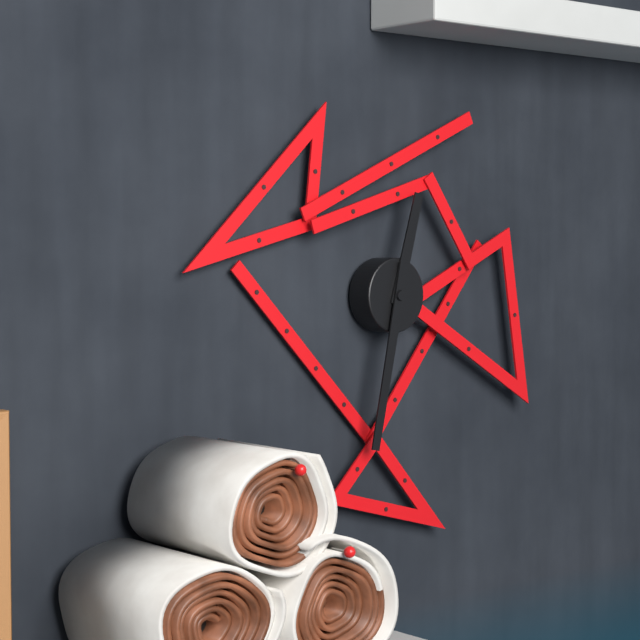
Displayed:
12,32
